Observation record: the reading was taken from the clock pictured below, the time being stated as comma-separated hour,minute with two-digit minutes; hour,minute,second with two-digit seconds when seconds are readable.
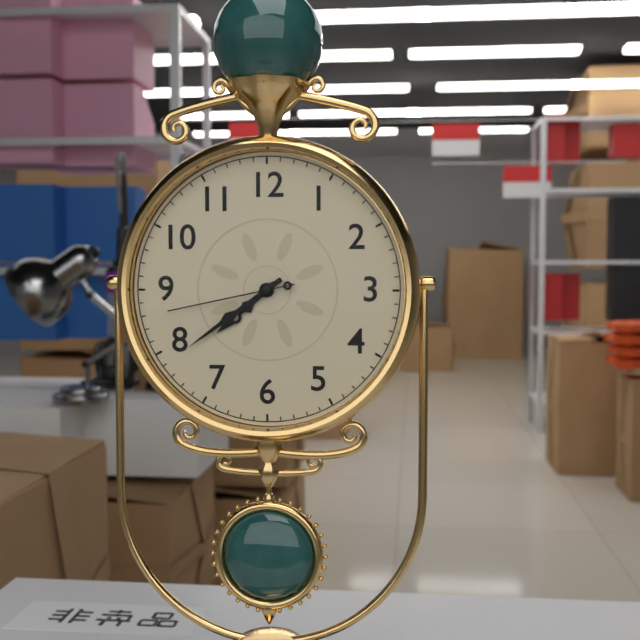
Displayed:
7,39,43
